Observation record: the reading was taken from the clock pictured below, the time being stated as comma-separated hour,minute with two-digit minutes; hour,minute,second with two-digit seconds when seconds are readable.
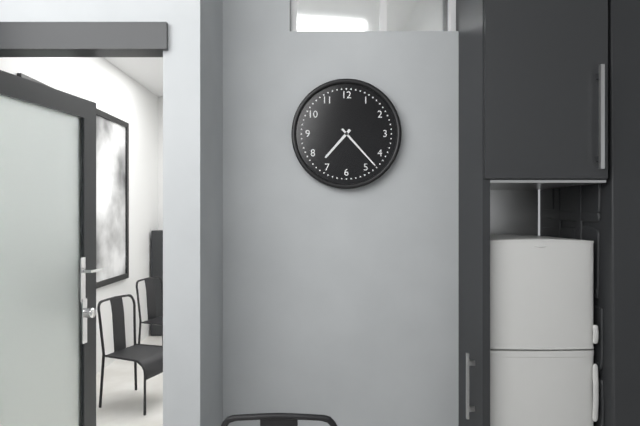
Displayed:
7,23
